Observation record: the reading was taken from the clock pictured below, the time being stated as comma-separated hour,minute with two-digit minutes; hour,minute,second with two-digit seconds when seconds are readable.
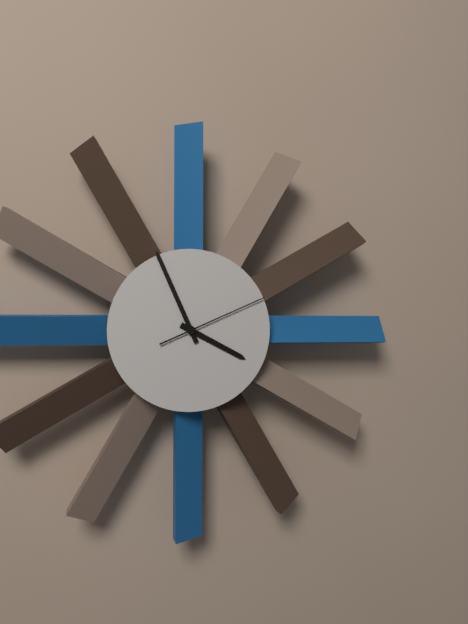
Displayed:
3,56,11
